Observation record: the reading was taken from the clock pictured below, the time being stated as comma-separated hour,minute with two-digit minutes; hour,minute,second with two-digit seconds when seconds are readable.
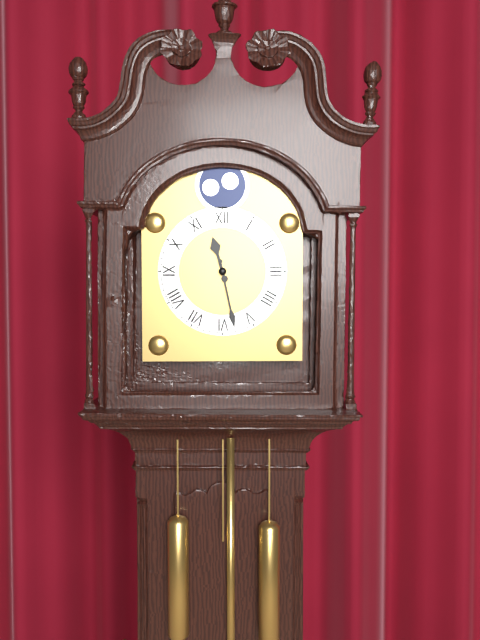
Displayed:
11,28
